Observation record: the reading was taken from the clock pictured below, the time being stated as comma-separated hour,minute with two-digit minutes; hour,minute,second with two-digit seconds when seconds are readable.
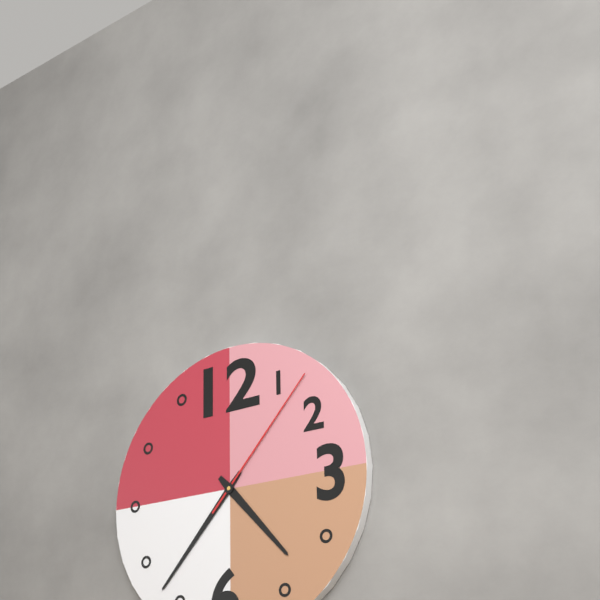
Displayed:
4,37,07
